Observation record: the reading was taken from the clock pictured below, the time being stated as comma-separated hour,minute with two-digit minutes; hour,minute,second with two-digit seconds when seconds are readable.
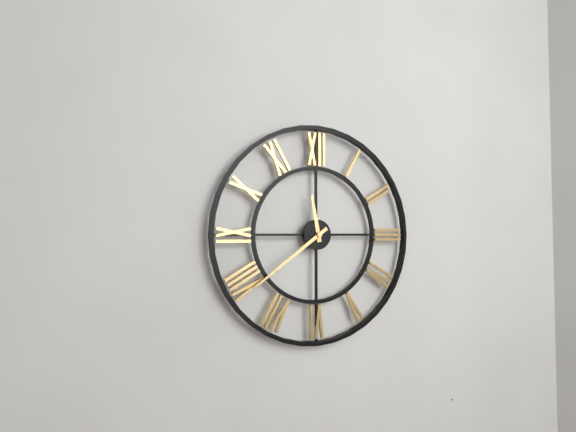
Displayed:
11,39
